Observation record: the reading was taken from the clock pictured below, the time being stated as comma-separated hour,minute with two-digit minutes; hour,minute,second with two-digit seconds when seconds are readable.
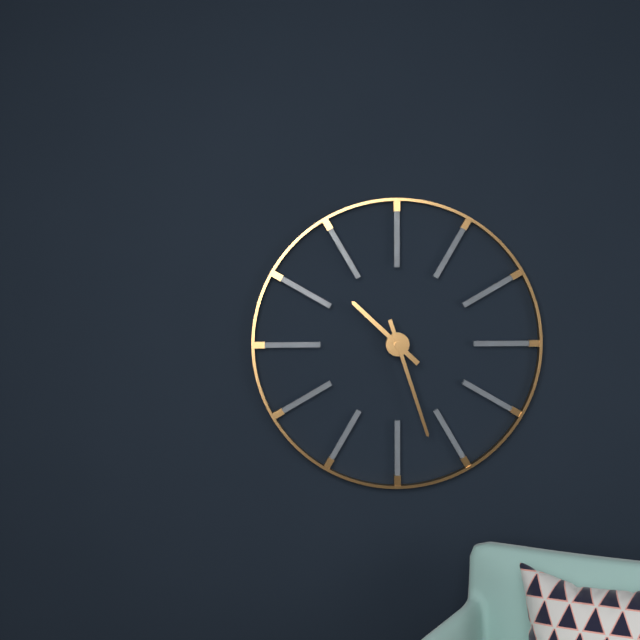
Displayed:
10,27
